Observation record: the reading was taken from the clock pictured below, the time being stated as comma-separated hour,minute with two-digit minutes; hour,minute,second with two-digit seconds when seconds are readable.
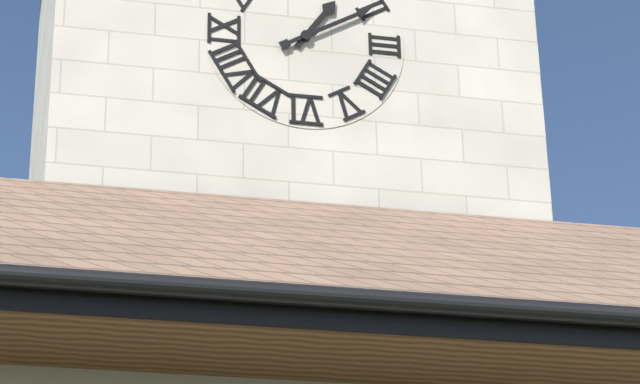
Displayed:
1,10
